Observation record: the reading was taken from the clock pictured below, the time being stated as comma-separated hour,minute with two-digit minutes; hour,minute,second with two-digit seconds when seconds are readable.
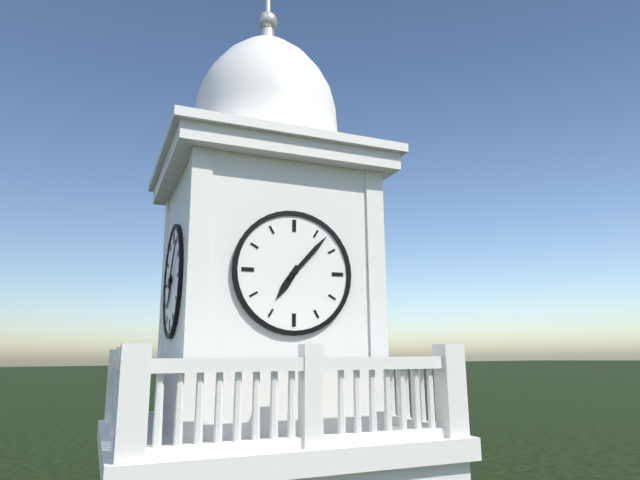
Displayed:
7,07
